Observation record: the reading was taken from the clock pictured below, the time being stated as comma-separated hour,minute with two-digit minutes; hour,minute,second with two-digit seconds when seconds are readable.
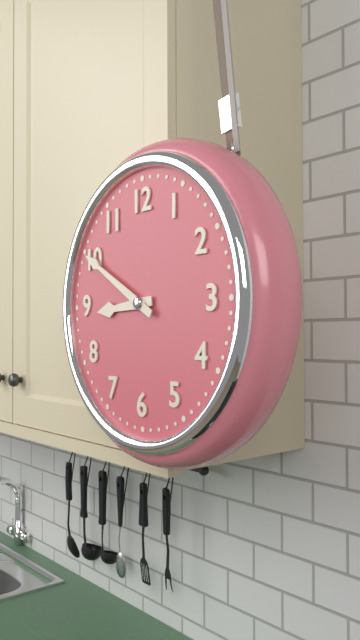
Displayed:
8,50
